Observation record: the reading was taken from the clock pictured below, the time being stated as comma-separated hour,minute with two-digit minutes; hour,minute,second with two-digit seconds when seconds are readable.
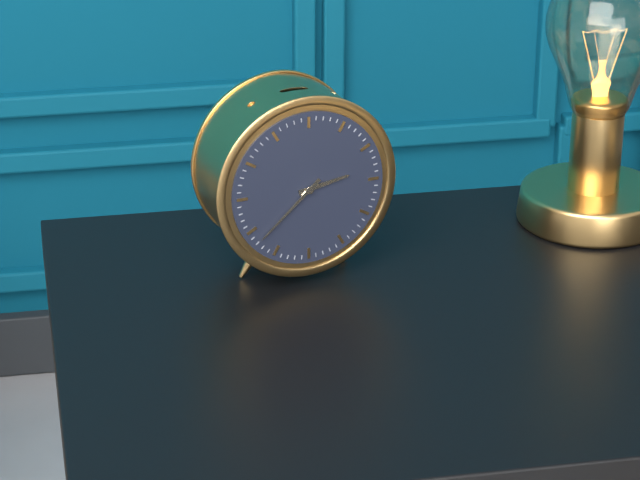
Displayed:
2,38
